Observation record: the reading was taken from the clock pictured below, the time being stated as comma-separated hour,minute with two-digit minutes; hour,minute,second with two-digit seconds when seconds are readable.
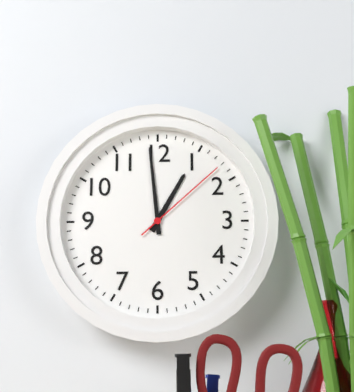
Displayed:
12,59,08
